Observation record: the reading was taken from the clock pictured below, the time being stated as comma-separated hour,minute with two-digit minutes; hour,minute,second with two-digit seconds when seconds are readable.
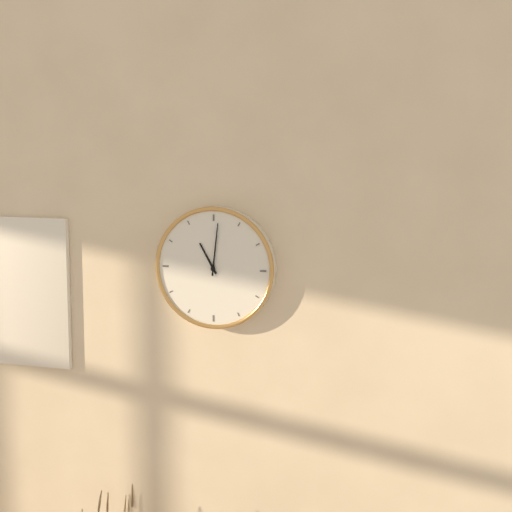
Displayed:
11,01
